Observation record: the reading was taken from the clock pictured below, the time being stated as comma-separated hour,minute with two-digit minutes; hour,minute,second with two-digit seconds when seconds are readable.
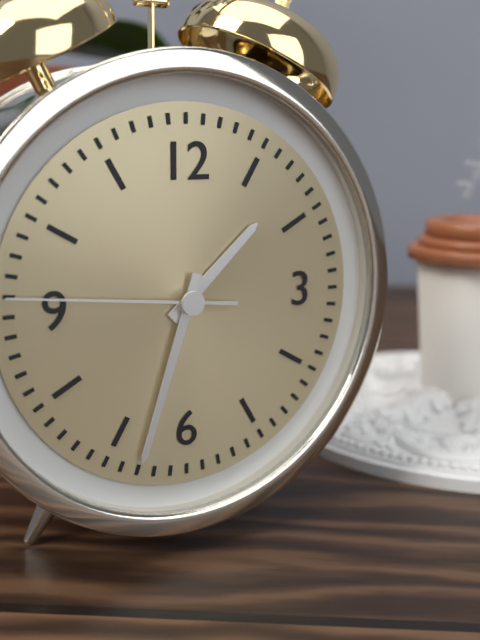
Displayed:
1,33,46
